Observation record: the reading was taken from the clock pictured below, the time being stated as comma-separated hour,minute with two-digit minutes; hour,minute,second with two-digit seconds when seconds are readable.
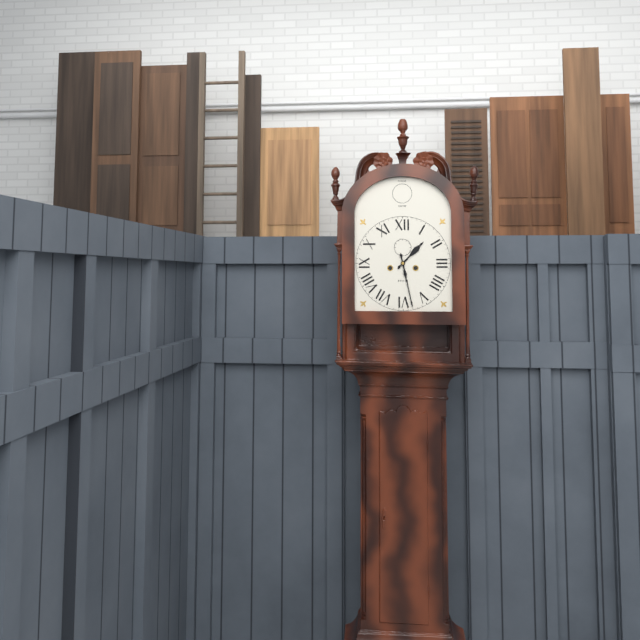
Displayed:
1,28
